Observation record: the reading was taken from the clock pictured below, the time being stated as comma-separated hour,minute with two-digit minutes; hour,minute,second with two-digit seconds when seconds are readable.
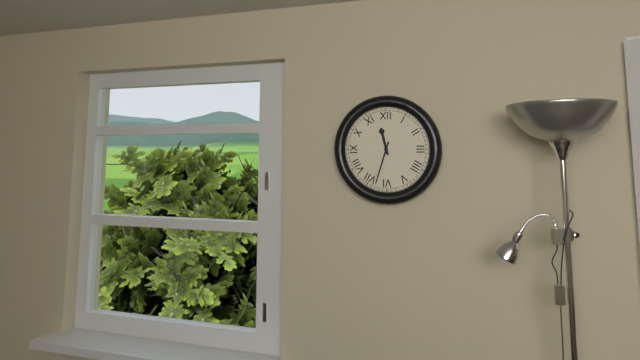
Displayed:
11,33
